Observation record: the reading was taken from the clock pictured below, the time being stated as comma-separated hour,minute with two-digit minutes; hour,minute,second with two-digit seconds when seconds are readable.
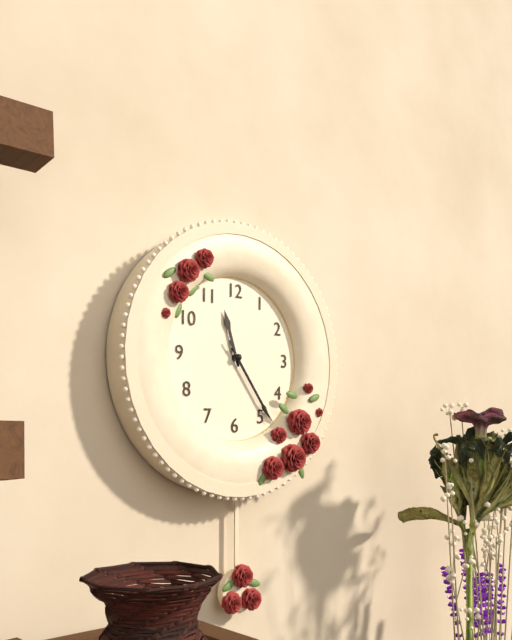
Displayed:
11,24,24
